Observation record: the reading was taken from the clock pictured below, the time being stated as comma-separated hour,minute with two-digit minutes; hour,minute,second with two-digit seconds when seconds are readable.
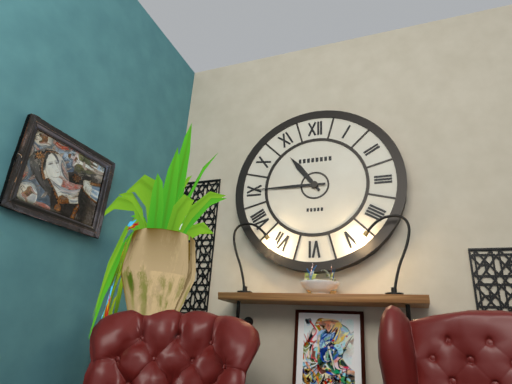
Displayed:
10,45
